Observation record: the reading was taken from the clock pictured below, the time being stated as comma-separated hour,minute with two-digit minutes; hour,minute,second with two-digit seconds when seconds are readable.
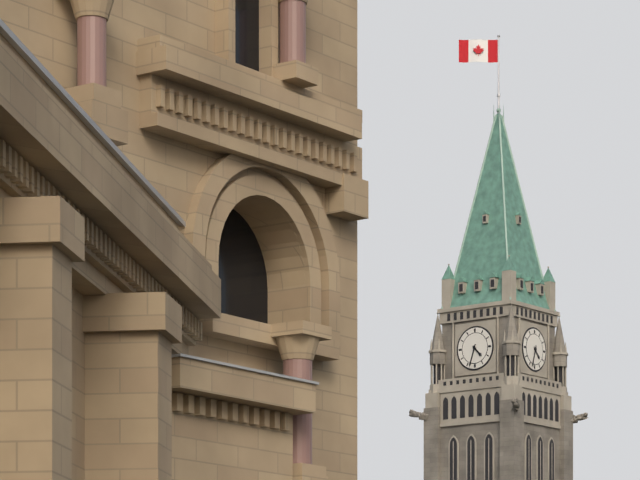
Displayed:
4,33
